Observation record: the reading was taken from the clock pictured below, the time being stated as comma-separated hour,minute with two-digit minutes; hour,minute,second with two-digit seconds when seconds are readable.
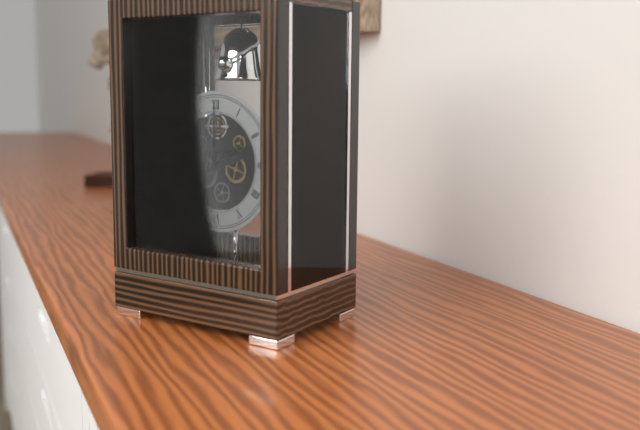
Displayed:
2,00
